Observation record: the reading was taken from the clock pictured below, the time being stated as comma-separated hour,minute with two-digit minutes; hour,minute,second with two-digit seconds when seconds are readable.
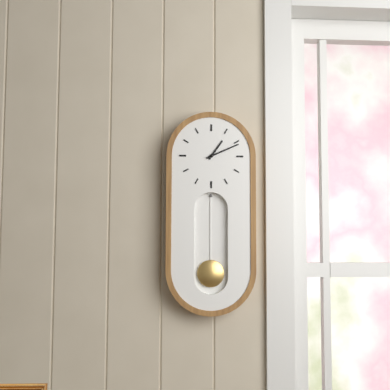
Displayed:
1,11
